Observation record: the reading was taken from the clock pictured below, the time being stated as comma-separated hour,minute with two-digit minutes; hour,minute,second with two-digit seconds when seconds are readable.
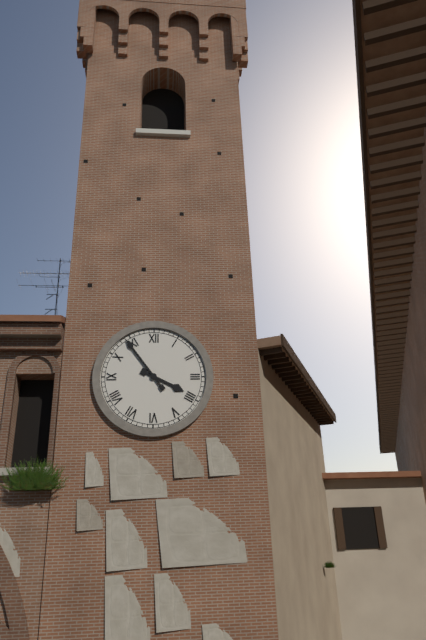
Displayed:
3,54
